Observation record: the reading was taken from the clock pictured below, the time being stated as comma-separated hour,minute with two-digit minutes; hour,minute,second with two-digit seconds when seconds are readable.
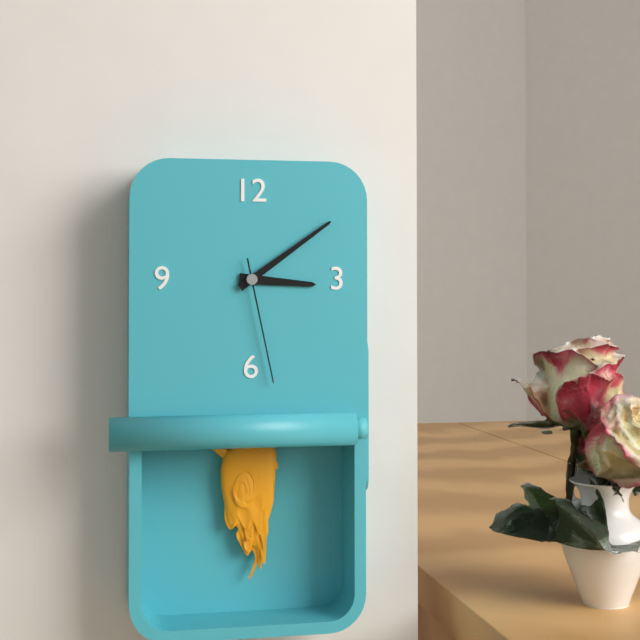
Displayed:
3,09,28
